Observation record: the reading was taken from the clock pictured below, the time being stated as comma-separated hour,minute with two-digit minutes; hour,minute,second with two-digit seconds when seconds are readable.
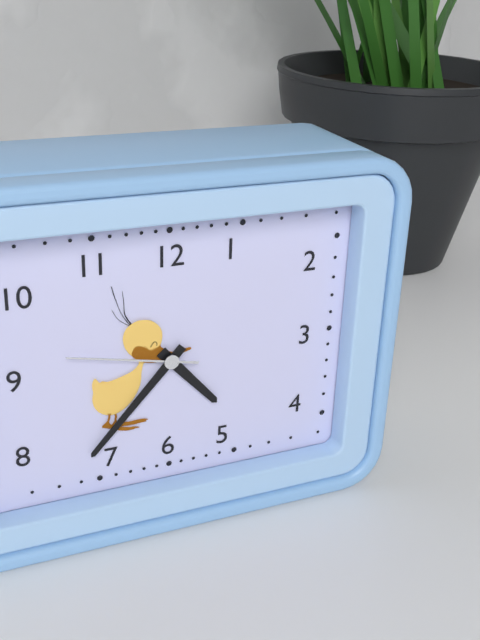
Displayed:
4,37,47
